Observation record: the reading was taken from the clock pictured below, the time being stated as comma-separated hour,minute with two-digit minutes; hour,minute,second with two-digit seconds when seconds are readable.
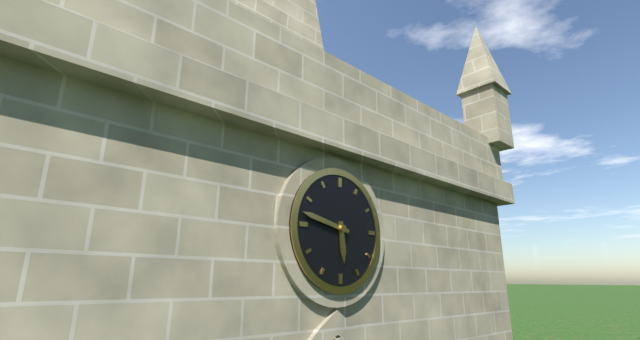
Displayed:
5,47
